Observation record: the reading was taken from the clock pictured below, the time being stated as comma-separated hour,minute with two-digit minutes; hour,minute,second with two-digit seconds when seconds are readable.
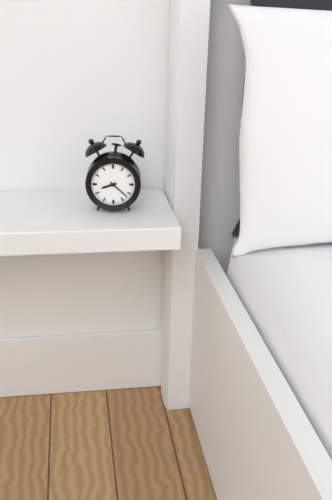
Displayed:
8,22
